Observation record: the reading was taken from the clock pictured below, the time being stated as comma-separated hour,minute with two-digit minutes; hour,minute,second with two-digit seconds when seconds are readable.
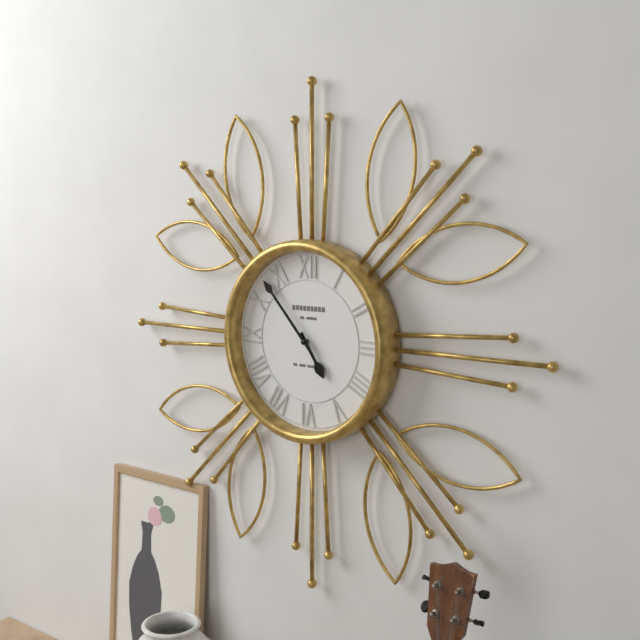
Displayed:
4,53
